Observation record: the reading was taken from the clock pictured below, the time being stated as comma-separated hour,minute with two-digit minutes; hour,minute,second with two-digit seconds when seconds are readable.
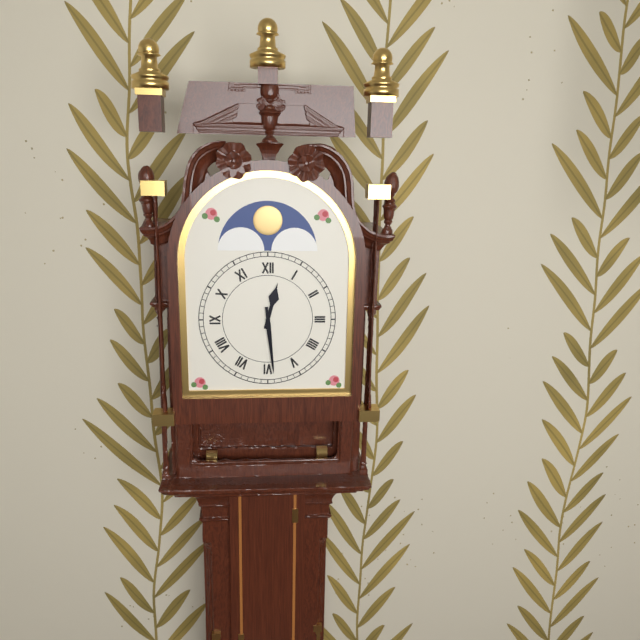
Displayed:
12,29
